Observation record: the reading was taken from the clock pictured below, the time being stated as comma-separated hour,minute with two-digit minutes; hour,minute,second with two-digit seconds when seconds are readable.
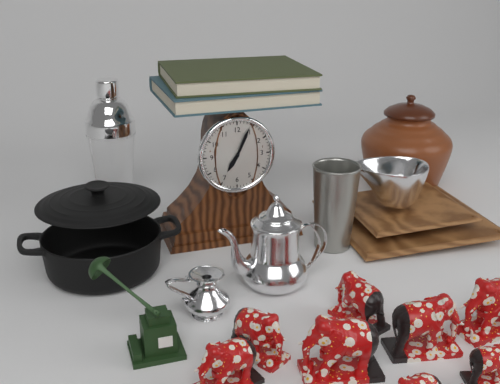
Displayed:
7,04
